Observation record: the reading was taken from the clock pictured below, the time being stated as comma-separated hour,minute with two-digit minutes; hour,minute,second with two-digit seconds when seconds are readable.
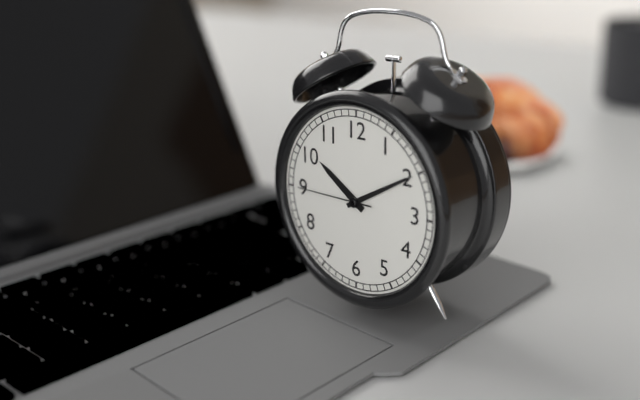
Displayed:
10,10,45
